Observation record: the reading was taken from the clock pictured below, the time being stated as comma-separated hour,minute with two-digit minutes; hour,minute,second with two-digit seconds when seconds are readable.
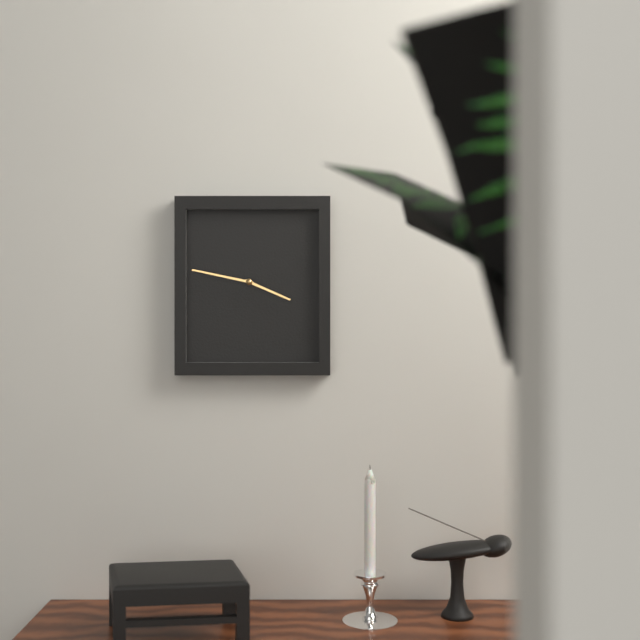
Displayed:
3,47
